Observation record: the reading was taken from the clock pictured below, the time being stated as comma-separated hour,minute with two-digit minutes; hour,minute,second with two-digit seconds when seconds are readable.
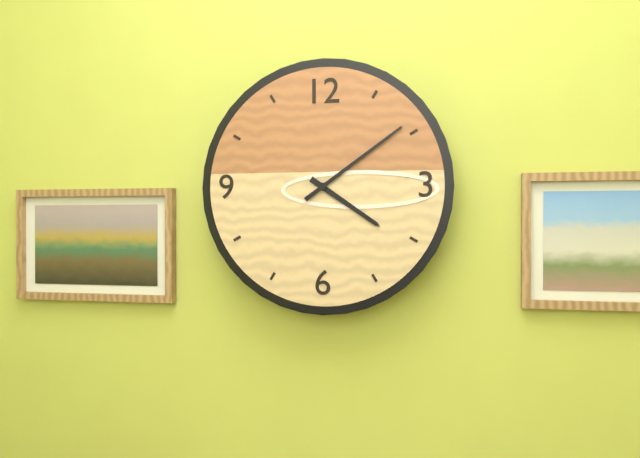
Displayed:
4,09
